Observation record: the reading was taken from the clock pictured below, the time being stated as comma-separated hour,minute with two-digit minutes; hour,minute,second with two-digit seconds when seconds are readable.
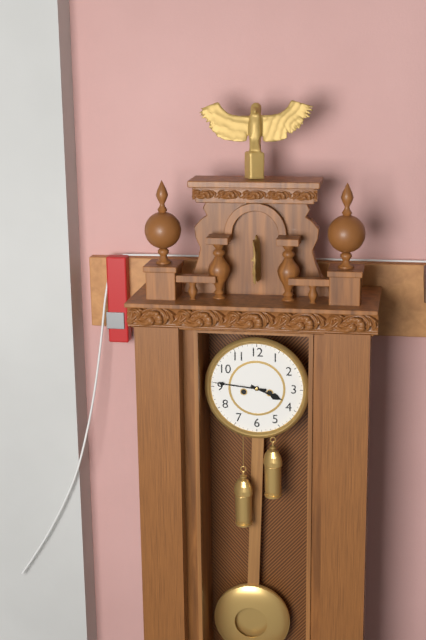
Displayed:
3,46
